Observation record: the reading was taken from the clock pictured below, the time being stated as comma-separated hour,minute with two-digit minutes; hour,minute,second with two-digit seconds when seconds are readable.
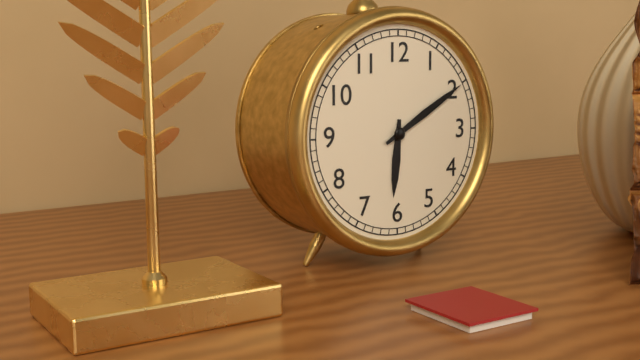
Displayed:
6,10
